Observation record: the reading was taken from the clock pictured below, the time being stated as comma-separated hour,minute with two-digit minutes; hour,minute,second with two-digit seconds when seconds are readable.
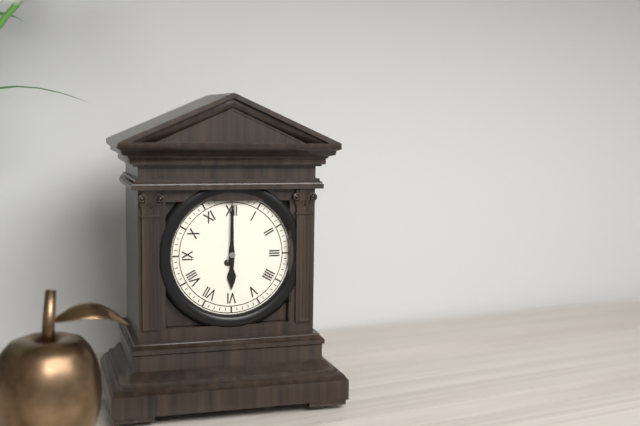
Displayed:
6,00
